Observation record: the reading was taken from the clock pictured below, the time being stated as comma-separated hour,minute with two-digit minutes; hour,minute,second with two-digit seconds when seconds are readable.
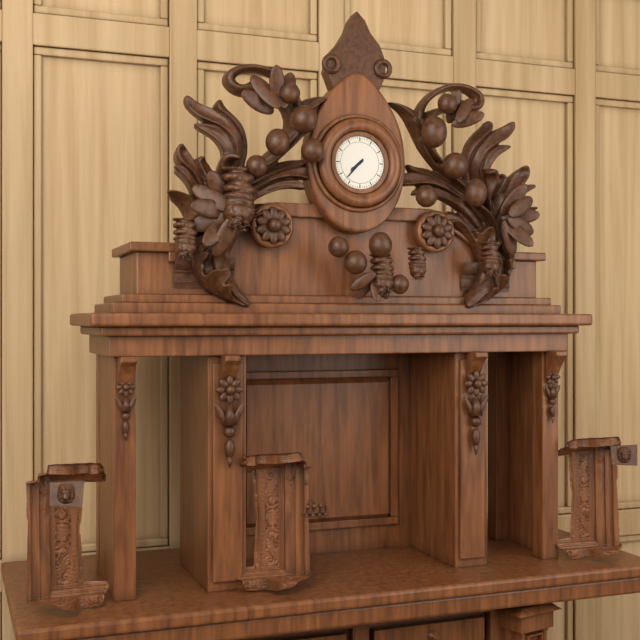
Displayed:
7,37
